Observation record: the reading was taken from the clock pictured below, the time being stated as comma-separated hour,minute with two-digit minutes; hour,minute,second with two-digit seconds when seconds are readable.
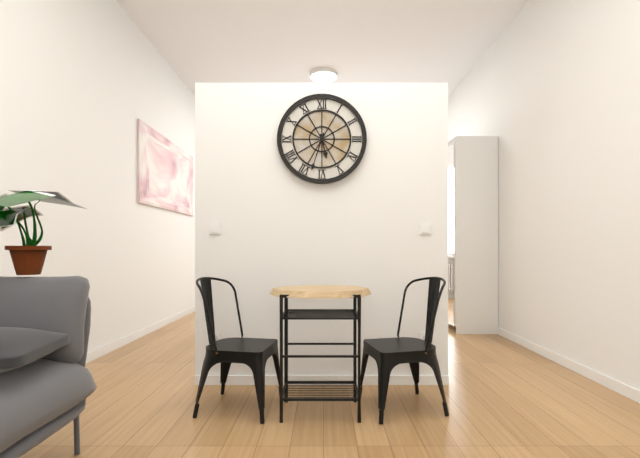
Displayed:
5,33
